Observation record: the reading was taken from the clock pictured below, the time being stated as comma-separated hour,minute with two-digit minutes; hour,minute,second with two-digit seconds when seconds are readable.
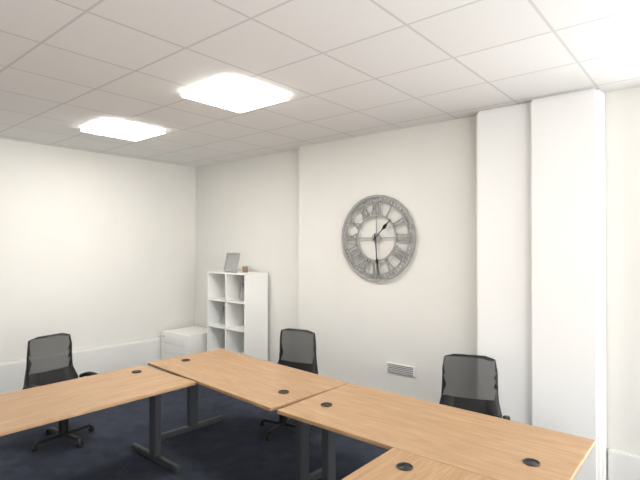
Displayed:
1,29
